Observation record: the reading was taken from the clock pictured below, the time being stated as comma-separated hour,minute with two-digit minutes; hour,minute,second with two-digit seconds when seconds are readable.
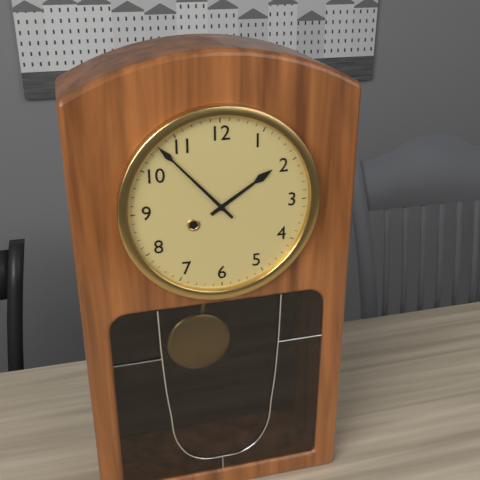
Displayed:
1,53
